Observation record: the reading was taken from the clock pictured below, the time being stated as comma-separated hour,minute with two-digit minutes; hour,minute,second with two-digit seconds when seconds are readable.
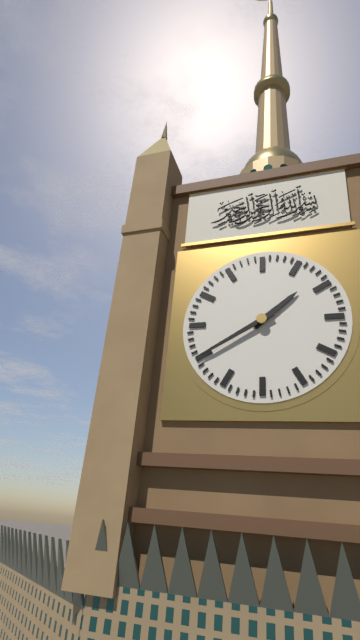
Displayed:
1,40
